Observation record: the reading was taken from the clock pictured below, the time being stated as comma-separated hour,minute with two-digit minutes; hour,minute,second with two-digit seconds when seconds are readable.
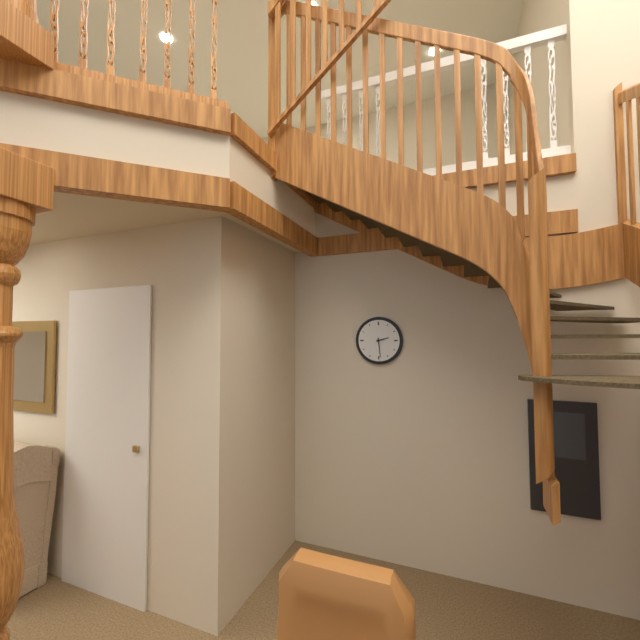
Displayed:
2,29
